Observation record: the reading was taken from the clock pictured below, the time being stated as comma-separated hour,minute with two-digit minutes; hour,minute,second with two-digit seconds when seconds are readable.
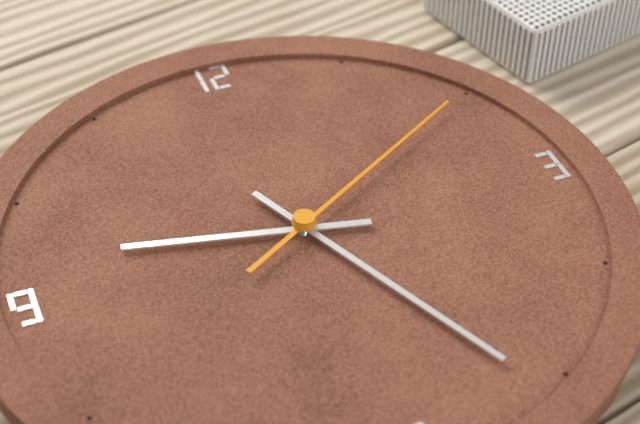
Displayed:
9,26,10
